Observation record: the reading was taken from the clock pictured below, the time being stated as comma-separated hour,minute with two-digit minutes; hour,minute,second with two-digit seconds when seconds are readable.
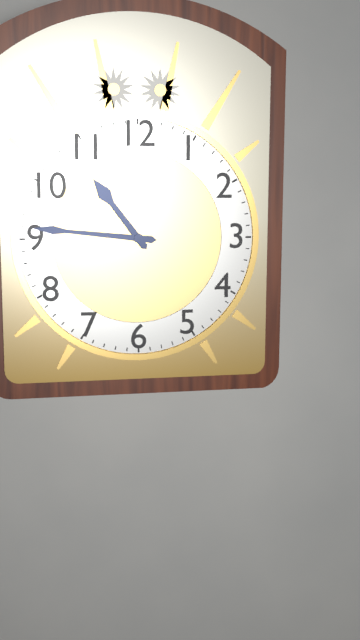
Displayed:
10,46
